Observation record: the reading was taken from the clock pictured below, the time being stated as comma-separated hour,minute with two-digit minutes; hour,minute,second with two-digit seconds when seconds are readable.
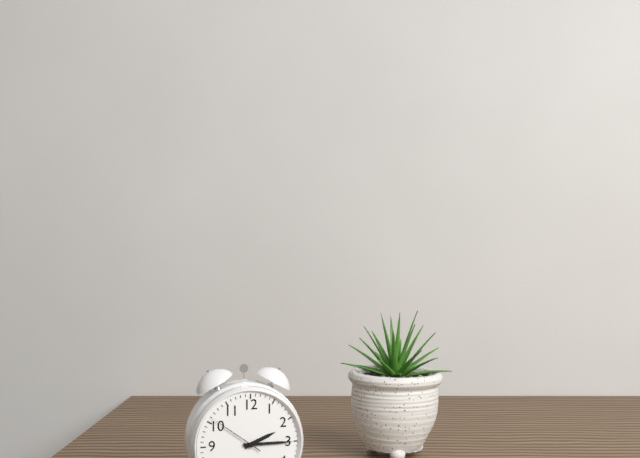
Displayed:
2,15,51
